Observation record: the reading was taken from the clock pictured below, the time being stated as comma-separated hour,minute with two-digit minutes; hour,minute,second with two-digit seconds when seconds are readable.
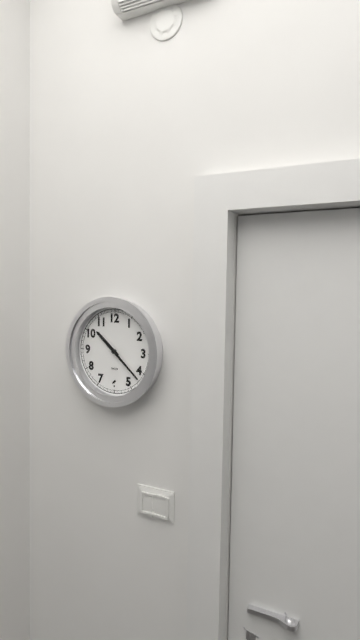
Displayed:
10,22
